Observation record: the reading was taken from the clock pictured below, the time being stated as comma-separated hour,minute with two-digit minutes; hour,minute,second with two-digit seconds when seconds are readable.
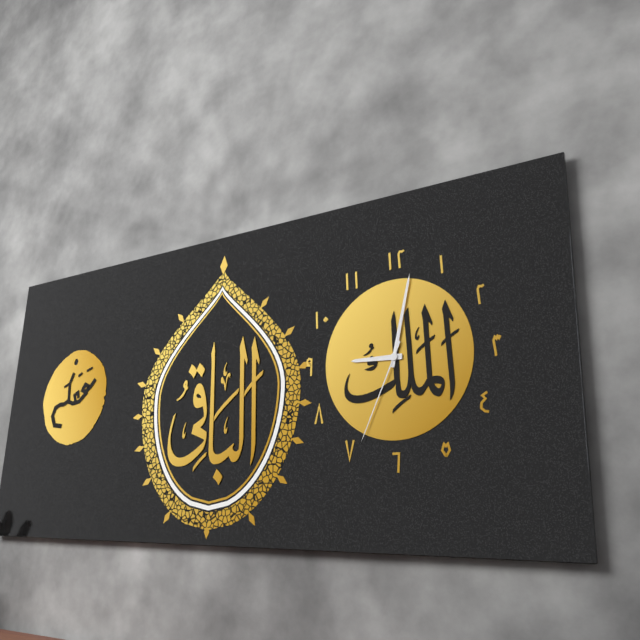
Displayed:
9,02,34
